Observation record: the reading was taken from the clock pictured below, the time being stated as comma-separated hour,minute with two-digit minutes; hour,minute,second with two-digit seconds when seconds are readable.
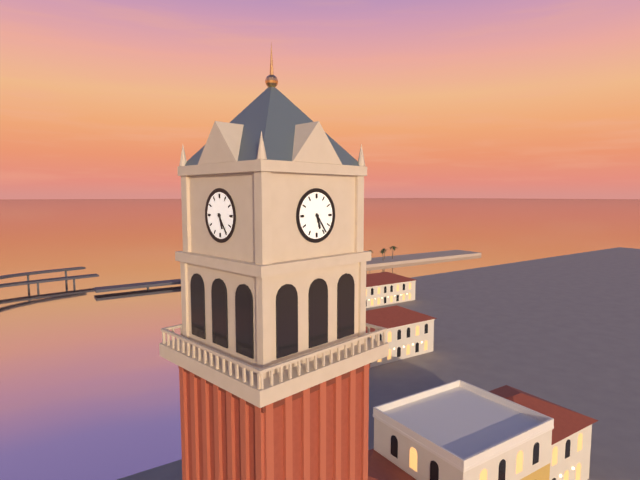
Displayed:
5,24
